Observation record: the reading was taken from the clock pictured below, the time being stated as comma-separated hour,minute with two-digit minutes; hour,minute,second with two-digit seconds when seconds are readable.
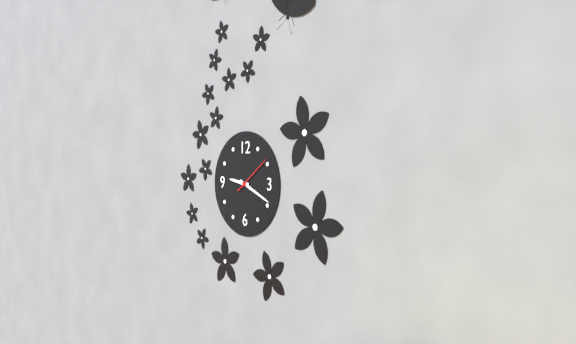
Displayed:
9,19
